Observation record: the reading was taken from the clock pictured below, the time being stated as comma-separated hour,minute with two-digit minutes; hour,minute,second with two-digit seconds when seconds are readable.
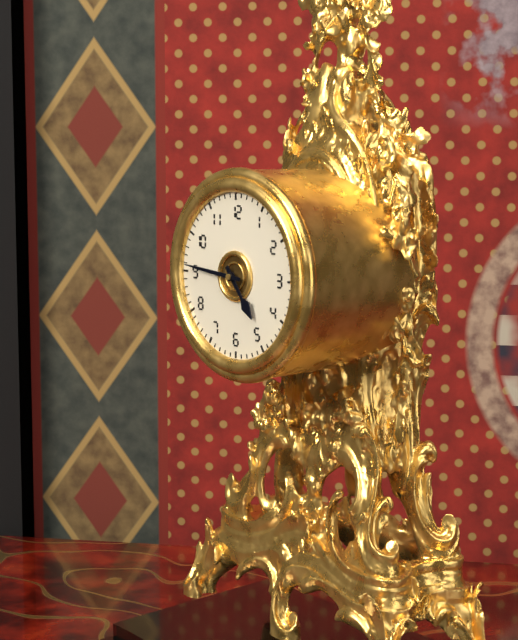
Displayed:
4,46
